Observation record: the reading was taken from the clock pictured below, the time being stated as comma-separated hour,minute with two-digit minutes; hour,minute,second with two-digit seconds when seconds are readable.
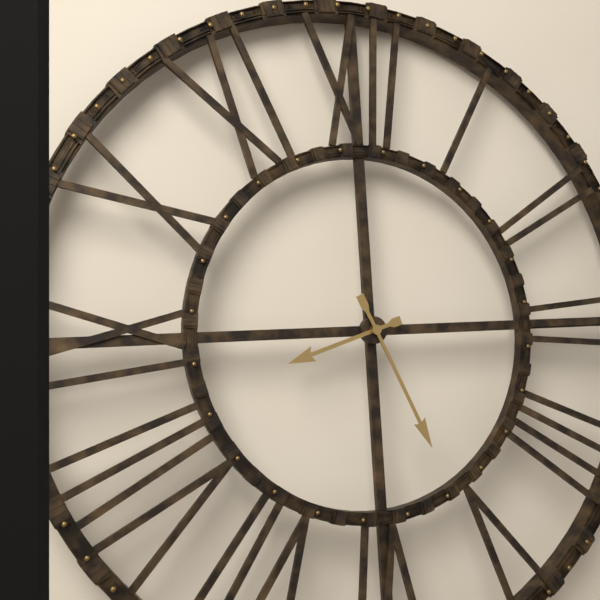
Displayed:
8,26
